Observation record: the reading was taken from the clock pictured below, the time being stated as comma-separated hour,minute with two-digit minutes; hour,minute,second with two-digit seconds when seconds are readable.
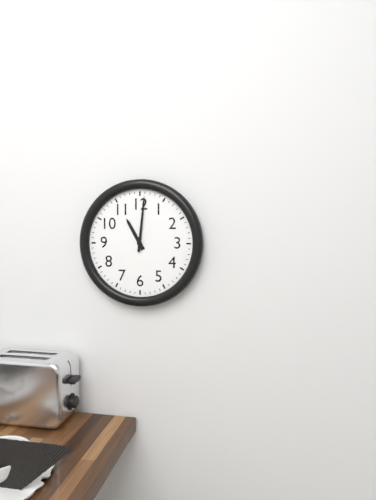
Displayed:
11,01
